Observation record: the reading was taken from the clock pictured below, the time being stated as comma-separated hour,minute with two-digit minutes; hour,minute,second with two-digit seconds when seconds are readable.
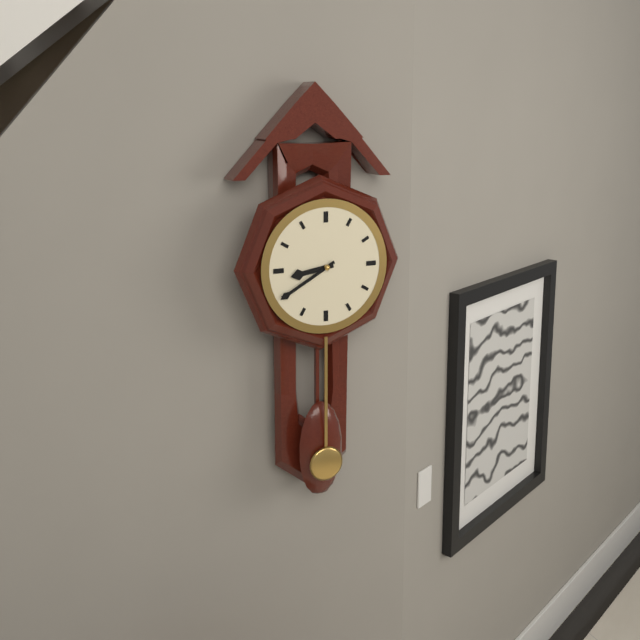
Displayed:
8,40
